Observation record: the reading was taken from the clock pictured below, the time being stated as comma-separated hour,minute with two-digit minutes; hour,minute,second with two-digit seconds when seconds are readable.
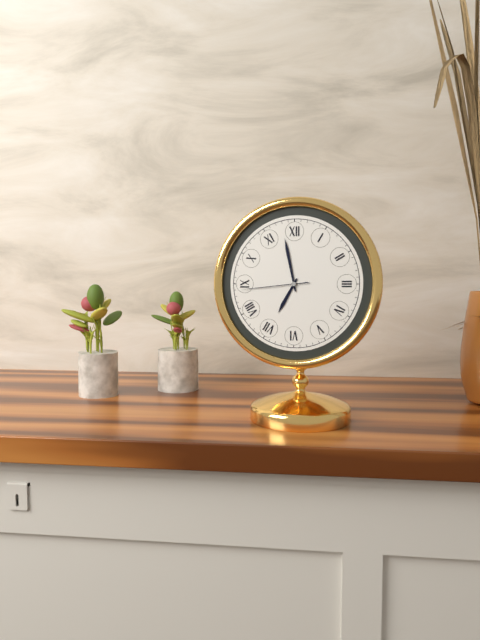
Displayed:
6,58,44
